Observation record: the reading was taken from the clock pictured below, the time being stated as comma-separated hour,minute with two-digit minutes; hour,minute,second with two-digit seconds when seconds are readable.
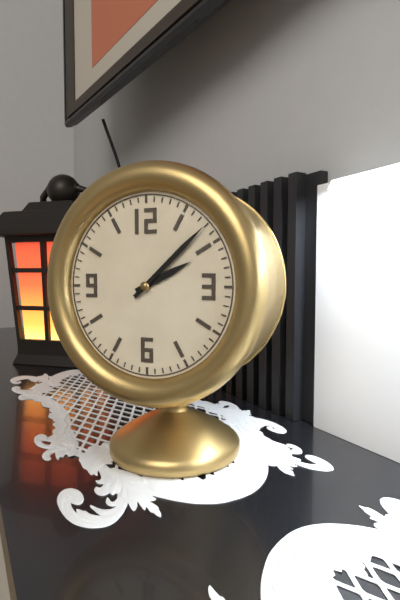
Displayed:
2,08
